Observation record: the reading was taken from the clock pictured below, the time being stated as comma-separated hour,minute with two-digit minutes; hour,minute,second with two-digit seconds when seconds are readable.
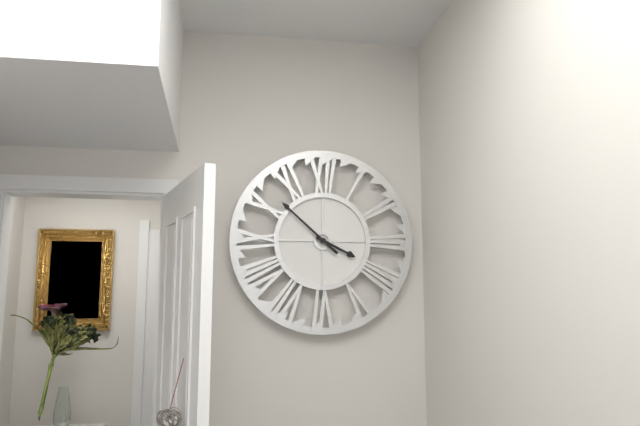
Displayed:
3,52
